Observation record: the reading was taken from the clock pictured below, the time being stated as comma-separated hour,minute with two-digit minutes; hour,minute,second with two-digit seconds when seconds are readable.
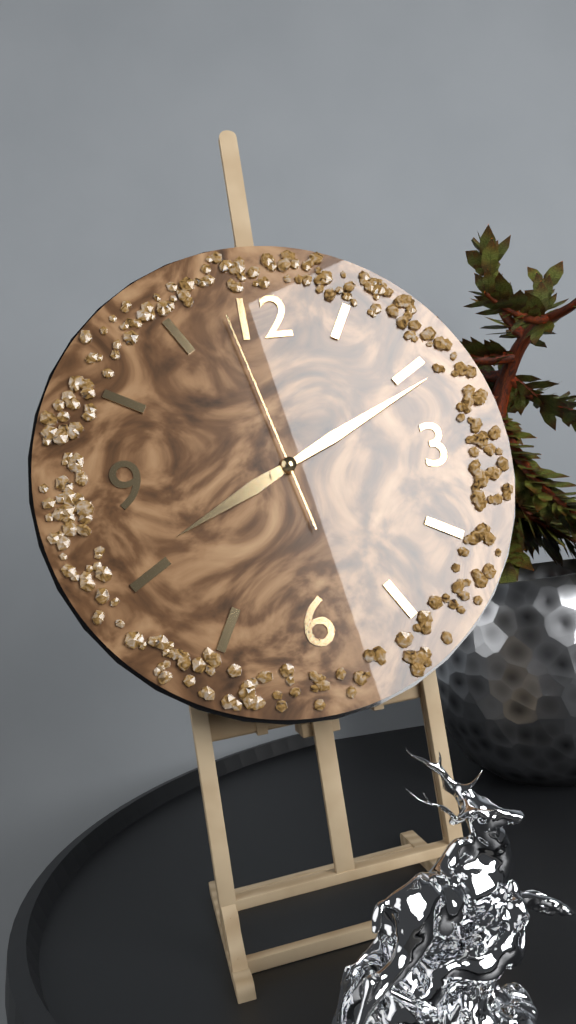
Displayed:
8,11,58
